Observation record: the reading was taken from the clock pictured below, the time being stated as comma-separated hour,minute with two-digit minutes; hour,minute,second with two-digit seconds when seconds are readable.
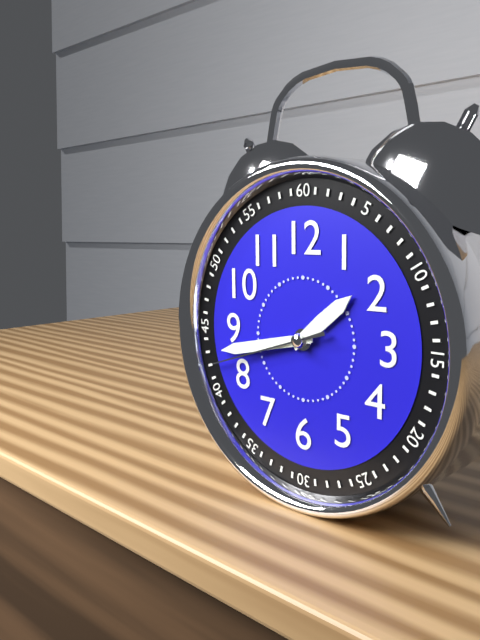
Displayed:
1,43,42
